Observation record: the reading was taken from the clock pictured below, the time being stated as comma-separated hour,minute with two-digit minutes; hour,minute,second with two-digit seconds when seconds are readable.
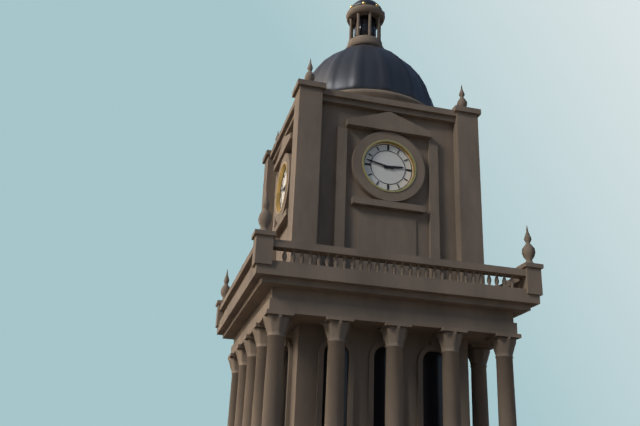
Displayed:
2,47
